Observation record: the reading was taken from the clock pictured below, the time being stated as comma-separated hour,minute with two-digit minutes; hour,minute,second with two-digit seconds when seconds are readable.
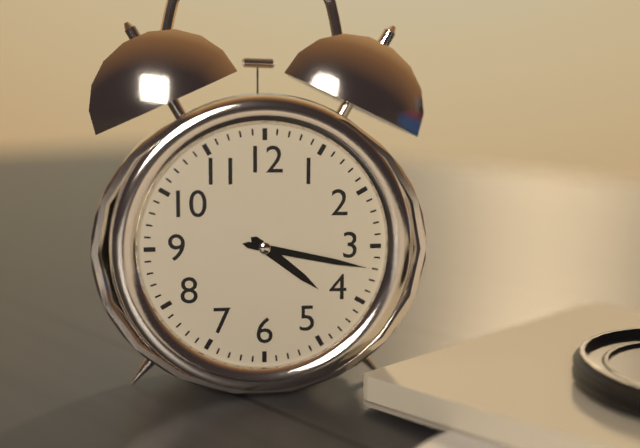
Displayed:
4,17
